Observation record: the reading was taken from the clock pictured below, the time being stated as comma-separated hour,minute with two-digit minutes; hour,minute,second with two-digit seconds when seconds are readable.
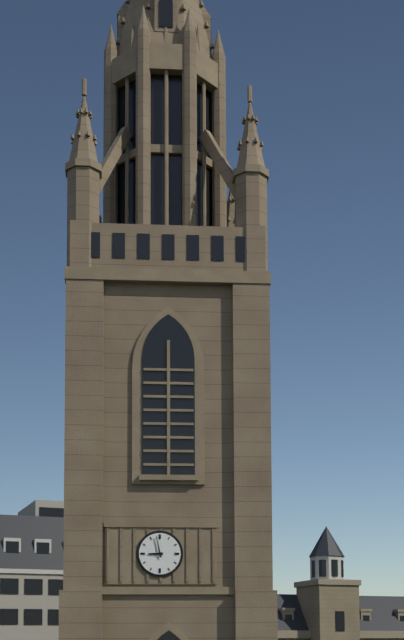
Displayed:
8,58
